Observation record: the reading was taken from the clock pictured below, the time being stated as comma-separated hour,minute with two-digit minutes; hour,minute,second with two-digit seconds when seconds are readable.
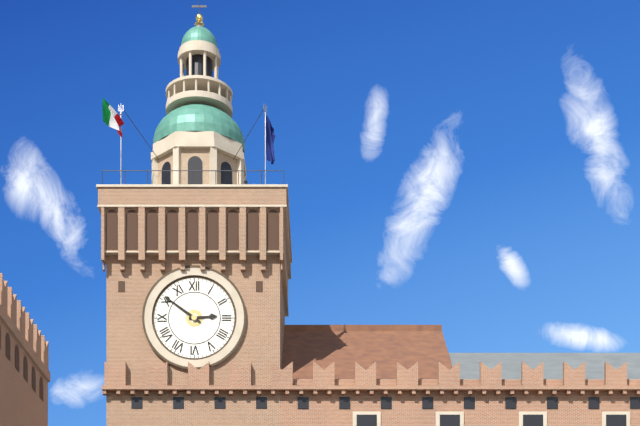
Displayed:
2,51
